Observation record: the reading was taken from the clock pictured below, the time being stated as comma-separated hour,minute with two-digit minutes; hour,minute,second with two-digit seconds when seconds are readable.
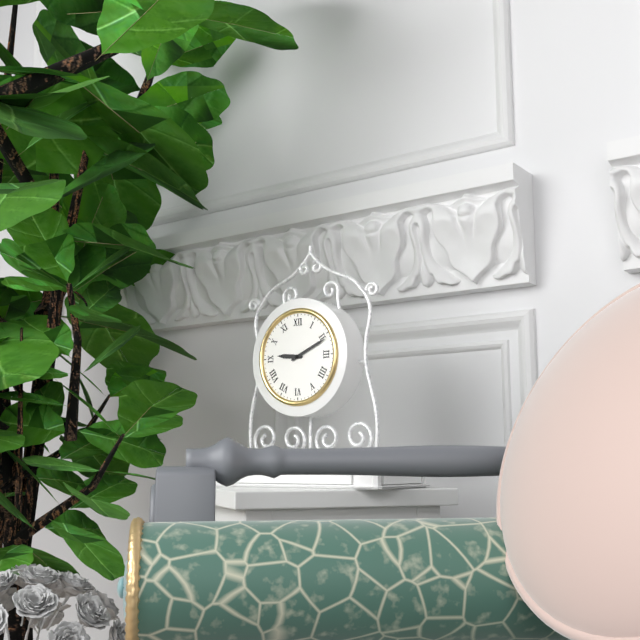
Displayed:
9,11
